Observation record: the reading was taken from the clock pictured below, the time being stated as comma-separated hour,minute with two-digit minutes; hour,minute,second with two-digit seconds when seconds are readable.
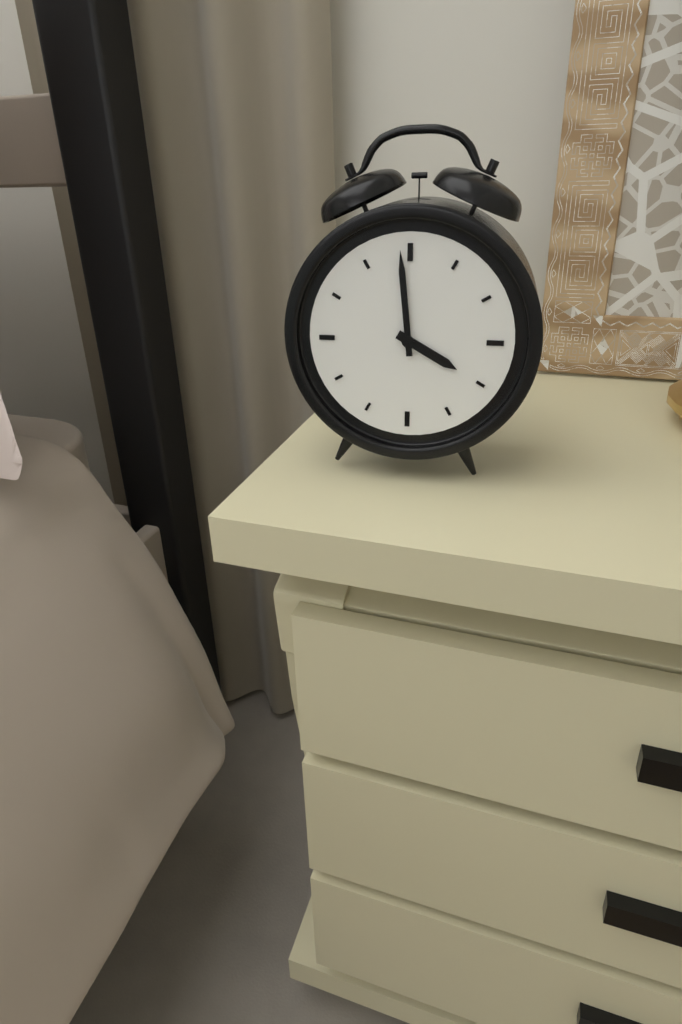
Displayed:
3,59
